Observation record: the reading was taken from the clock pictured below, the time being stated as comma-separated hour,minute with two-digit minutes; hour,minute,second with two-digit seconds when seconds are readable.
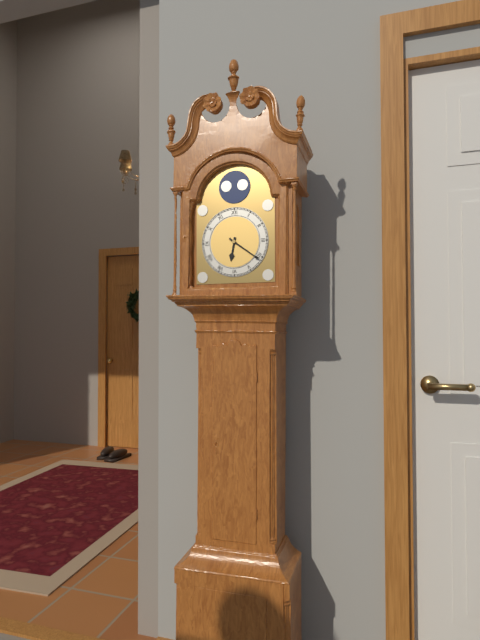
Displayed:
6,21
